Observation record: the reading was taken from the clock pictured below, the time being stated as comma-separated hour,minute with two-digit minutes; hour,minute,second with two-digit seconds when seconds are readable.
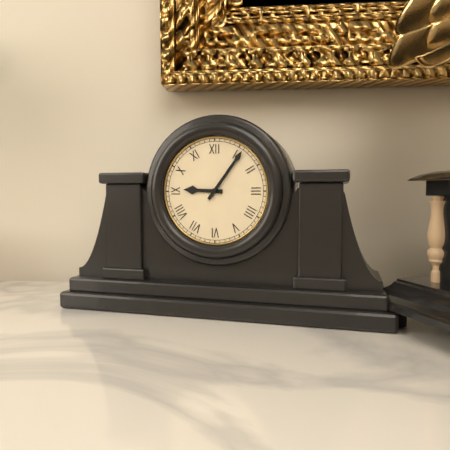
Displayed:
9,06
